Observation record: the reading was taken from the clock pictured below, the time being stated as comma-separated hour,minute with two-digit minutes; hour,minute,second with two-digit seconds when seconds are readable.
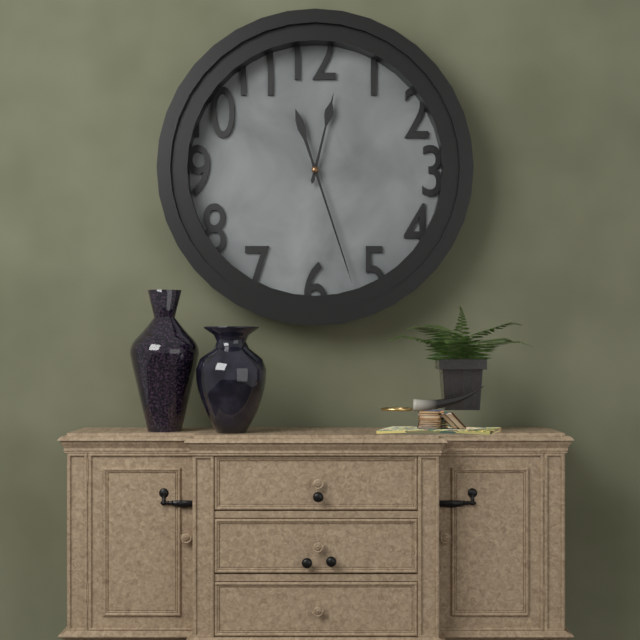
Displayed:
12,27
